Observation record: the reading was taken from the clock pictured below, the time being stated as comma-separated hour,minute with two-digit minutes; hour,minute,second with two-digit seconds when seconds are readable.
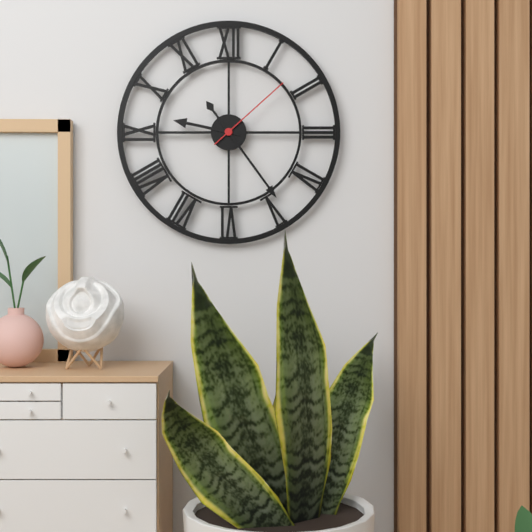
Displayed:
9,24,08
